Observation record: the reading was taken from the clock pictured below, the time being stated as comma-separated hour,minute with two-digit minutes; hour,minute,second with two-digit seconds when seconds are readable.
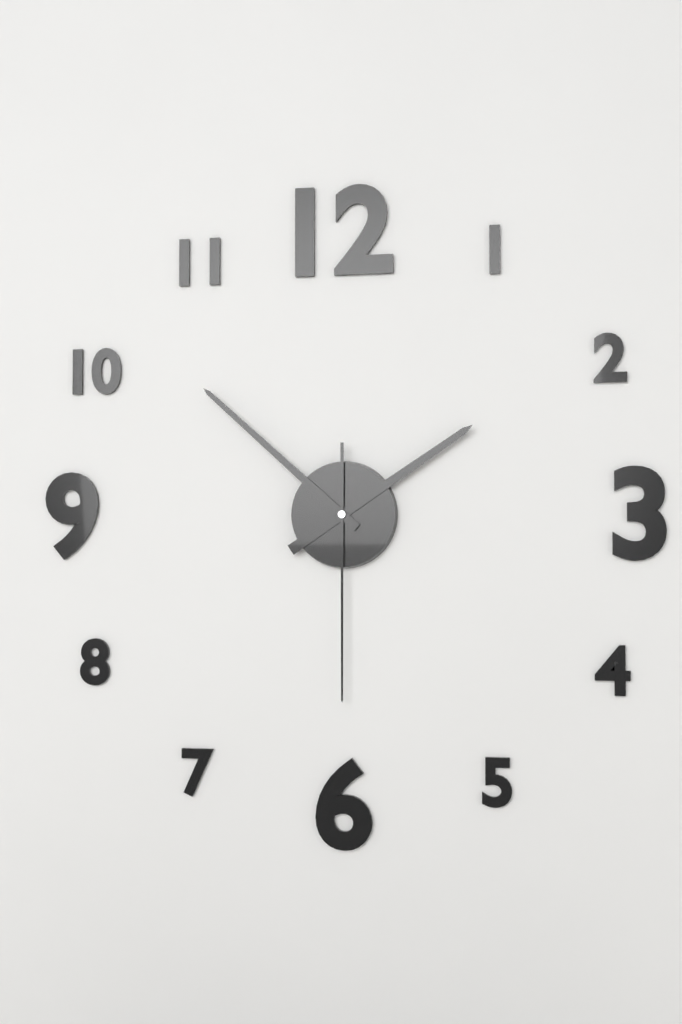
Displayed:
1,52,30
